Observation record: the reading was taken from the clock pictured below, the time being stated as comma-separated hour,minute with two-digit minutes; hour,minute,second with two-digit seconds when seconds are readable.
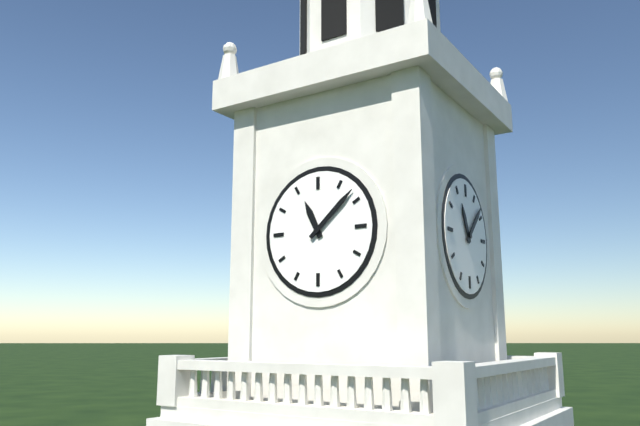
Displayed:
11,08
